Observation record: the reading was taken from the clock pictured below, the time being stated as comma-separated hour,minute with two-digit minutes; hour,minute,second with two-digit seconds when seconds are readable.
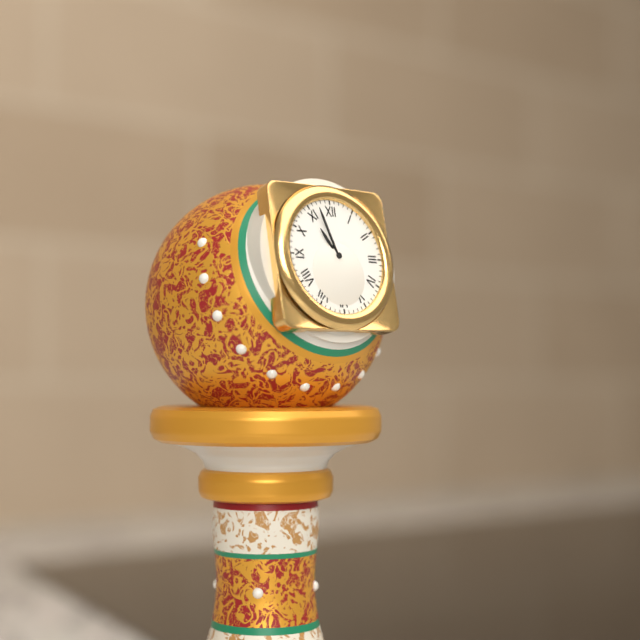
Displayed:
10,57
